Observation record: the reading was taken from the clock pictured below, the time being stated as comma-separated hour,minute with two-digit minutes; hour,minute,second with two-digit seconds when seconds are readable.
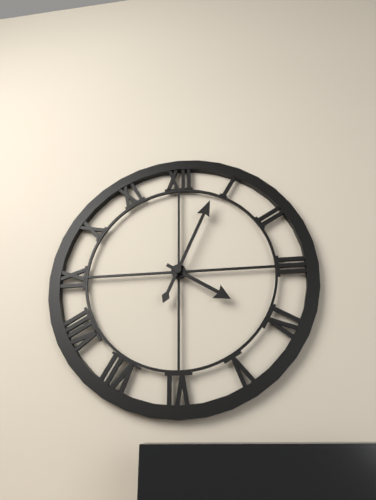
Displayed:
4,04
